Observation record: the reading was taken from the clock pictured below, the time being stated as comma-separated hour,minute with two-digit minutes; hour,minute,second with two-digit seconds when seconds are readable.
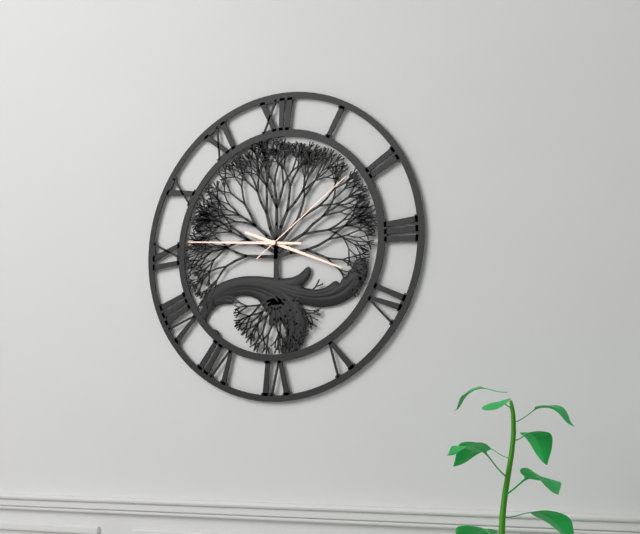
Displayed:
3,46,09
